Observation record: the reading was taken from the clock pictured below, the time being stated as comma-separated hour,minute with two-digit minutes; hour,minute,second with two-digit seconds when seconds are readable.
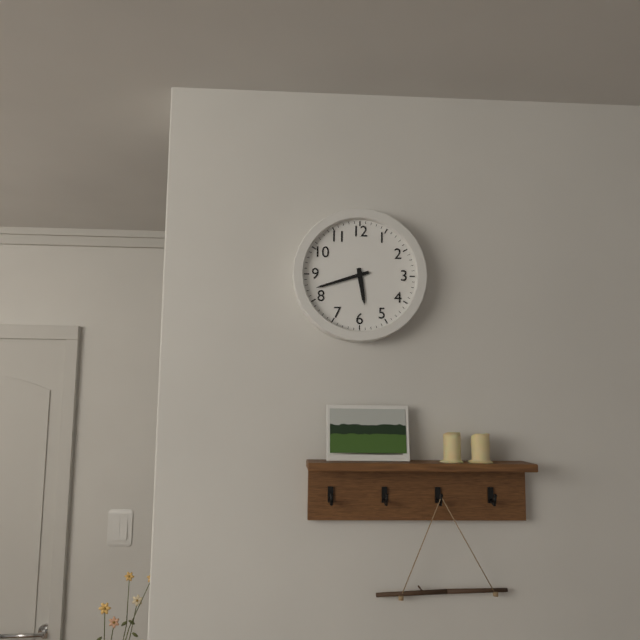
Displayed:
5,42
